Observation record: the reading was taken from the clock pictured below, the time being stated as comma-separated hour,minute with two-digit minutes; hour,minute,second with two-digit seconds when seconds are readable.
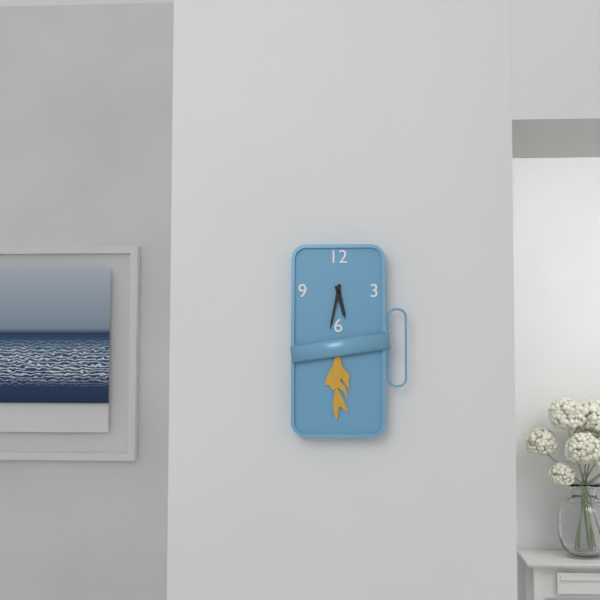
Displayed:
5,32
